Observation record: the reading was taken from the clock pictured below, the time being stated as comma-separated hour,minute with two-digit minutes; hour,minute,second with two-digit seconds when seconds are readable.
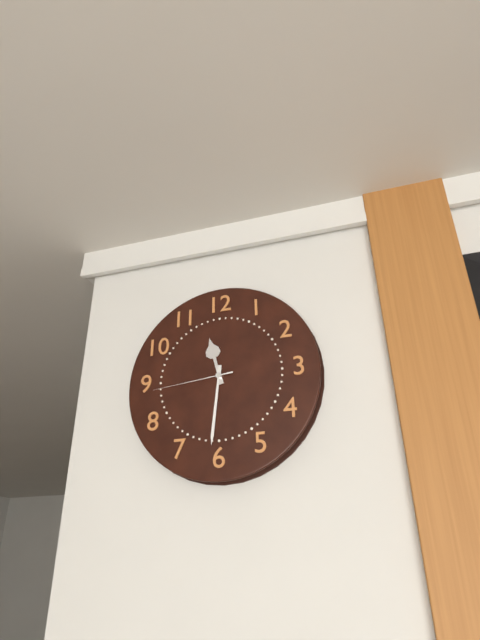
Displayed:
11,31,44
